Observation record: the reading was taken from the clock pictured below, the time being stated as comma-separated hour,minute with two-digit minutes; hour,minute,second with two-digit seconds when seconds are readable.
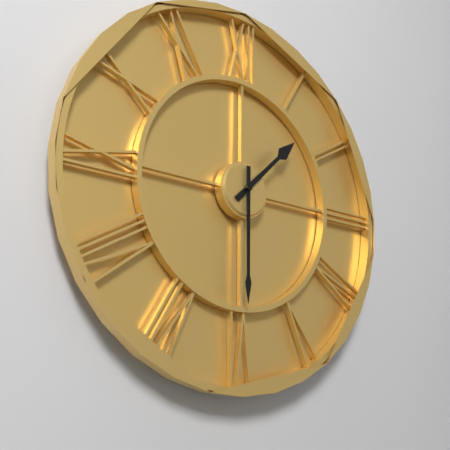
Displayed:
1,30
